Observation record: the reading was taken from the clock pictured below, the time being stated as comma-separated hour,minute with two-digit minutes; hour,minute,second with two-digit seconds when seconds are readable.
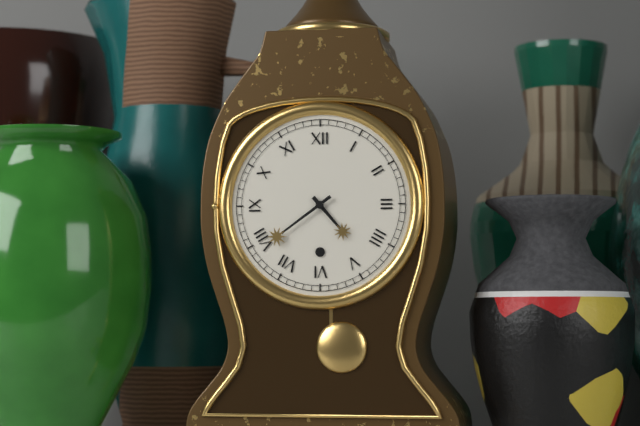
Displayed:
4,39
